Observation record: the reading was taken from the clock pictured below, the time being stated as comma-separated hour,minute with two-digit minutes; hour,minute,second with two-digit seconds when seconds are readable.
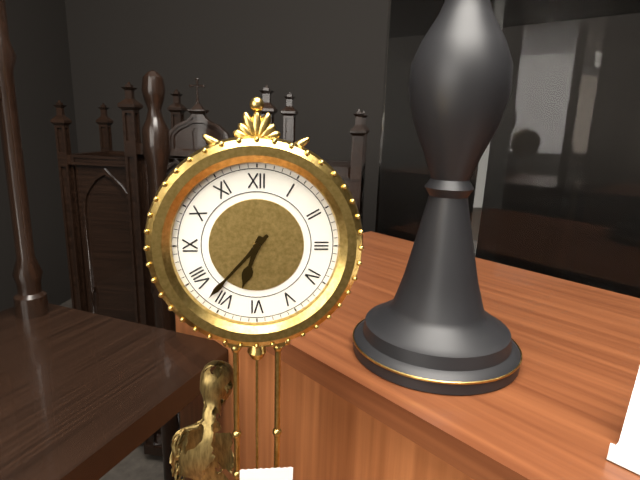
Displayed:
6,37
